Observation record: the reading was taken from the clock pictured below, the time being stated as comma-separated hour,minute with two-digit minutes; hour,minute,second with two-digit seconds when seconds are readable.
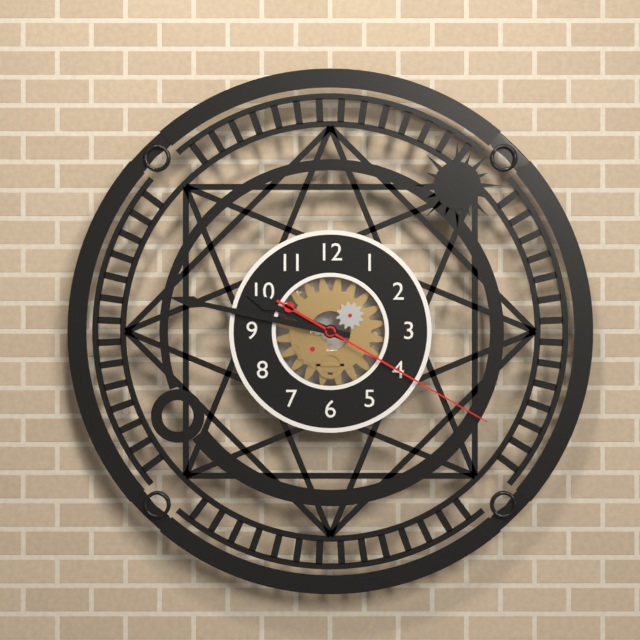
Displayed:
9,47,20
